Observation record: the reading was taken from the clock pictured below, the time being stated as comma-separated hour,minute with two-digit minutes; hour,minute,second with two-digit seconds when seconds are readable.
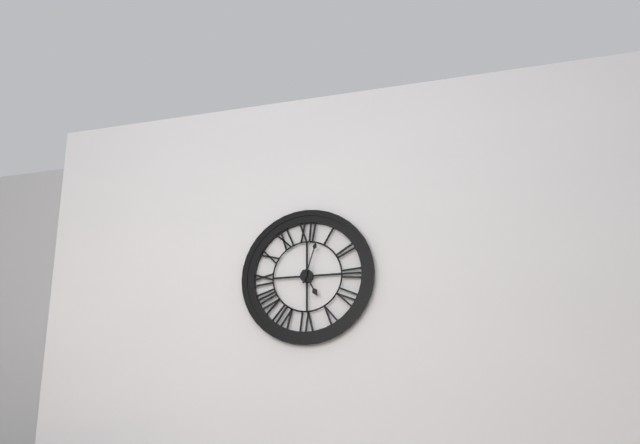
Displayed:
5,03
